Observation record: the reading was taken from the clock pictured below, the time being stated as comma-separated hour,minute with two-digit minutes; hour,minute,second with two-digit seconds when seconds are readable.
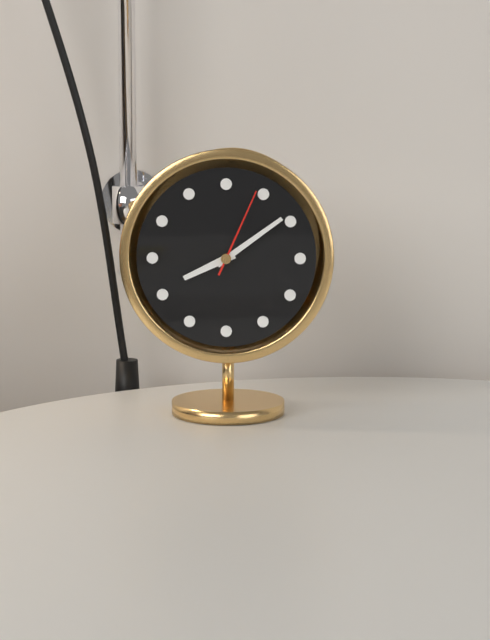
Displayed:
8,09,04
